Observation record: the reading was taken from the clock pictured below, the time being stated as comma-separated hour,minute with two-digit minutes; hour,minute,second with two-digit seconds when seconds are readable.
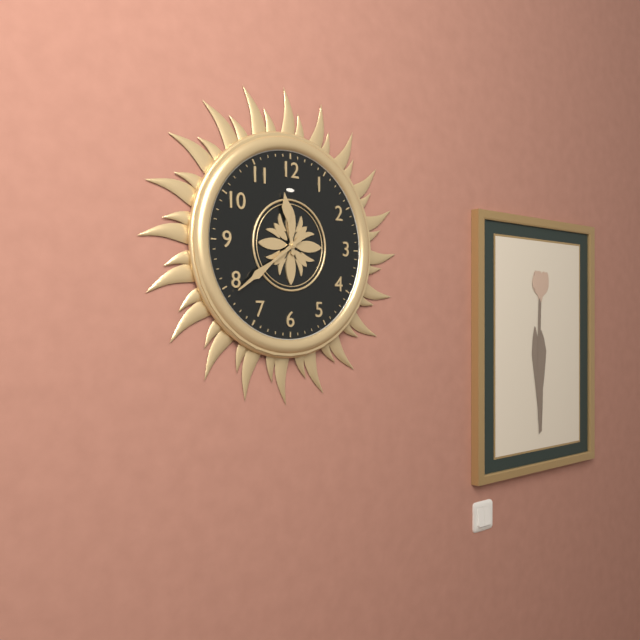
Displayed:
11,39
